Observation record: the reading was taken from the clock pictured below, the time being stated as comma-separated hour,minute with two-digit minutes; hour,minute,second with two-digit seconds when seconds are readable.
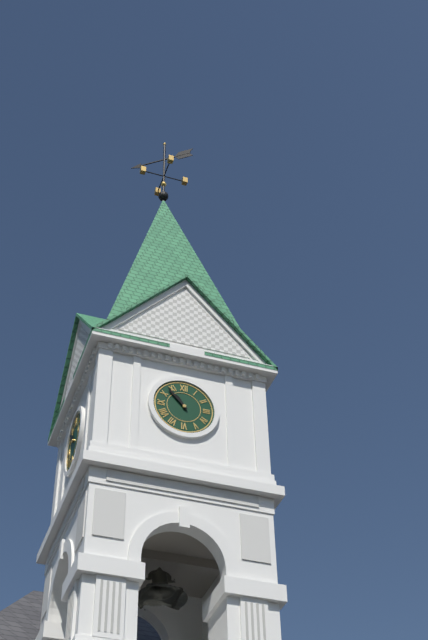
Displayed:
10,53
